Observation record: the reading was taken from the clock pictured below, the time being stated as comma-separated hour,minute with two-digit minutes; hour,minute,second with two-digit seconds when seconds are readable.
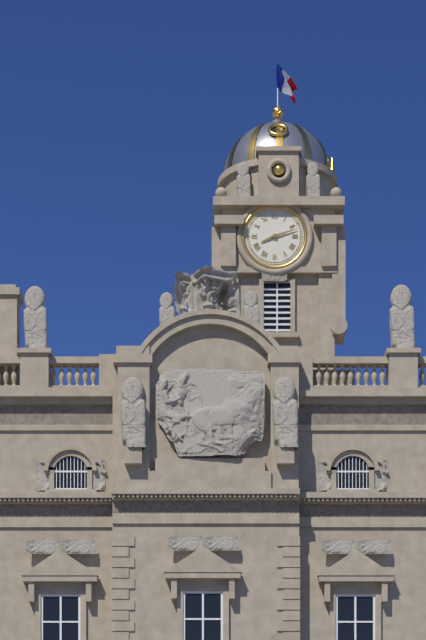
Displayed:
8,12
